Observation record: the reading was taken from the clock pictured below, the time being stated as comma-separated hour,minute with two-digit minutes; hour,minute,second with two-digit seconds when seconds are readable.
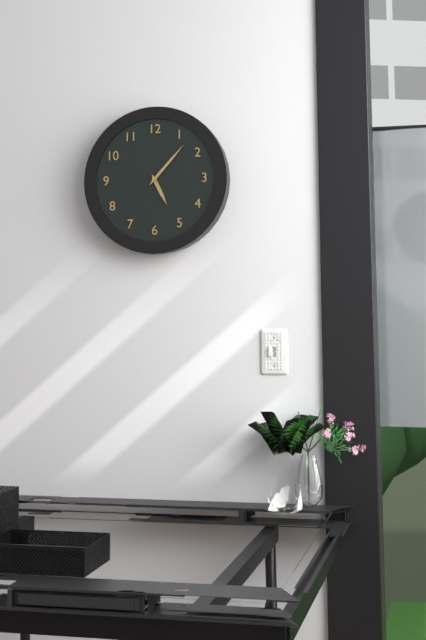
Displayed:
5,07
